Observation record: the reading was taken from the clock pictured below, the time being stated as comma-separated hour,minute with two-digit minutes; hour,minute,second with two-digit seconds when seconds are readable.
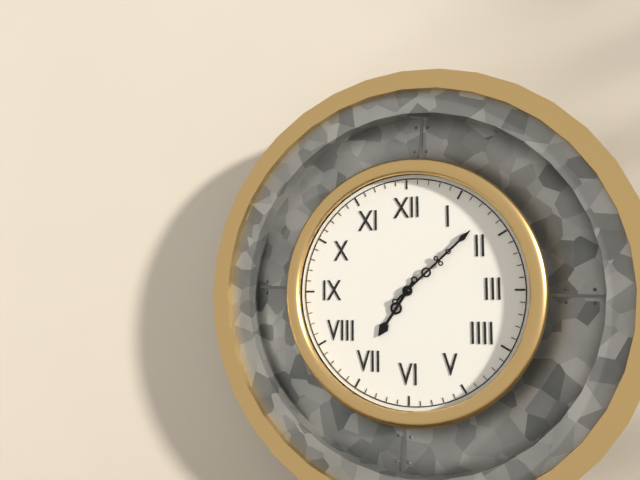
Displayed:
7,08
